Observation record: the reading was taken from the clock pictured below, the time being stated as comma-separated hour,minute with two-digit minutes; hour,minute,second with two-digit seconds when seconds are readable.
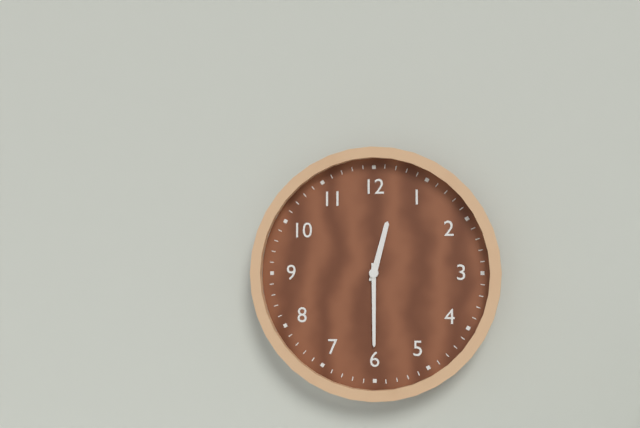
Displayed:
12,30
